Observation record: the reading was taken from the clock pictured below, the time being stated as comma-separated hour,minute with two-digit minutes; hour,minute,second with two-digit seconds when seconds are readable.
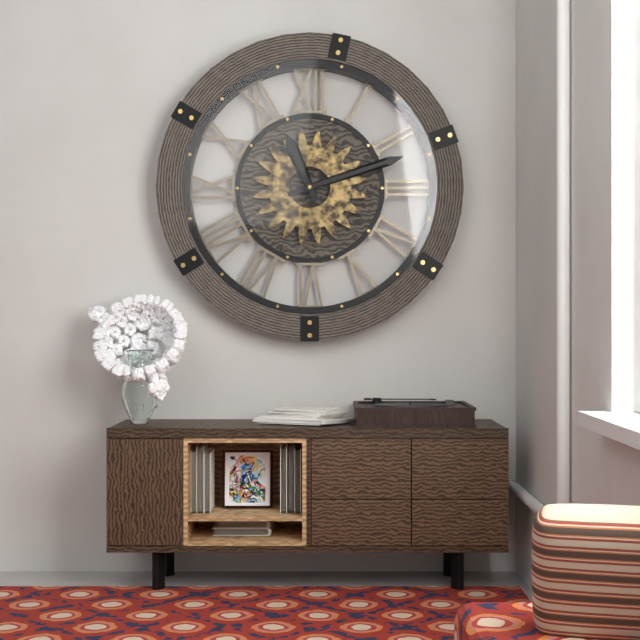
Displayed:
11,12
